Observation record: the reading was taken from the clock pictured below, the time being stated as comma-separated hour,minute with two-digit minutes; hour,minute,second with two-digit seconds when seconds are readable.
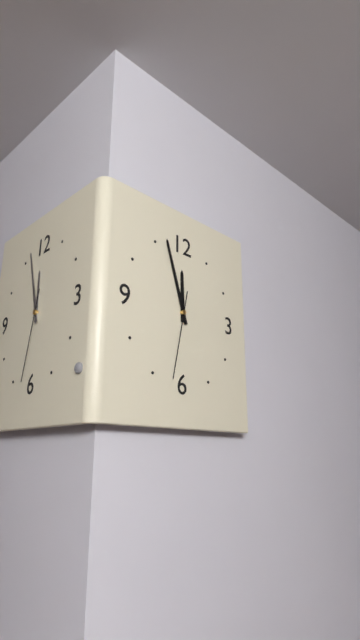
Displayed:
11,57,32
